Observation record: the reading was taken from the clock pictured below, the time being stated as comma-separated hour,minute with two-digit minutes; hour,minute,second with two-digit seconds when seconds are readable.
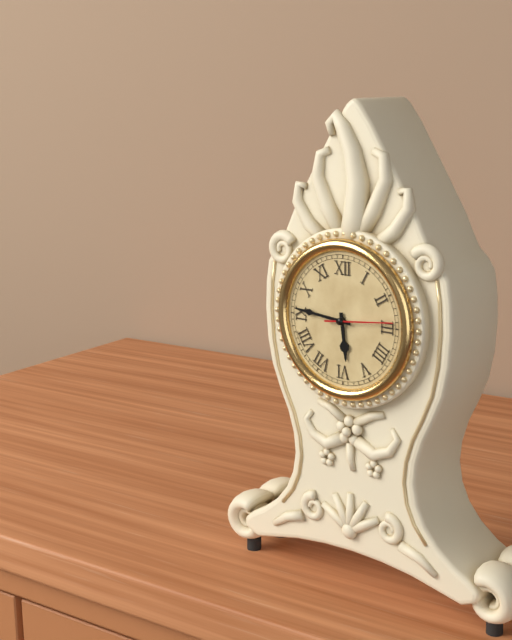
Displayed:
5,46,14
